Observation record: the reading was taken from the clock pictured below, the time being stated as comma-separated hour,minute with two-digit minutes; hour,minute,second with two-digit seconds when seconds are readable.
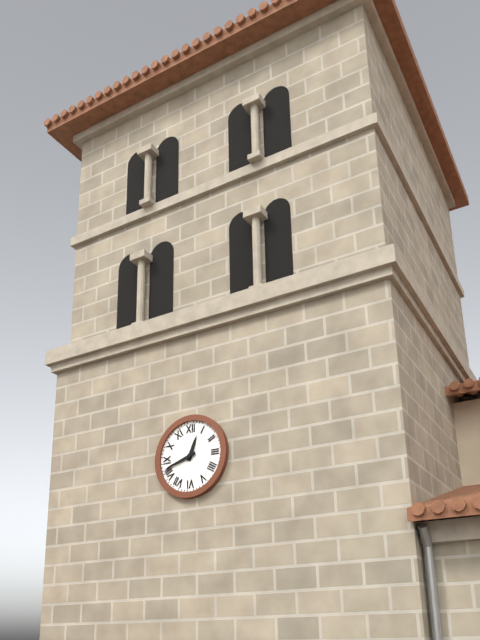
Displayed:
12,42
